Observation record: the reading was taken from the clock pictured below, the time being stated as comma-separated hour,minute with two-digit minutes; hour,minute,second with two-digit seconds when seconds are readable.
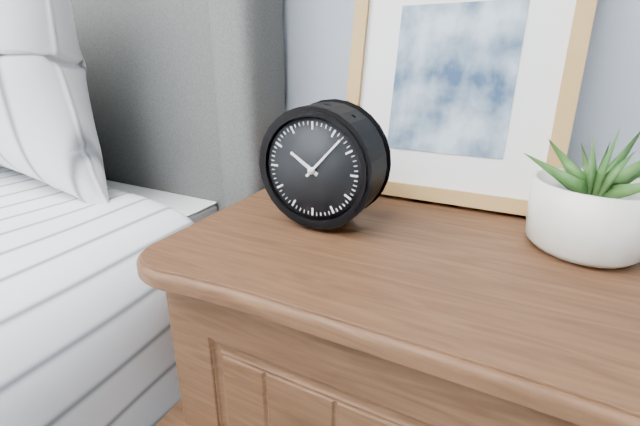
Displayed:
10,07
